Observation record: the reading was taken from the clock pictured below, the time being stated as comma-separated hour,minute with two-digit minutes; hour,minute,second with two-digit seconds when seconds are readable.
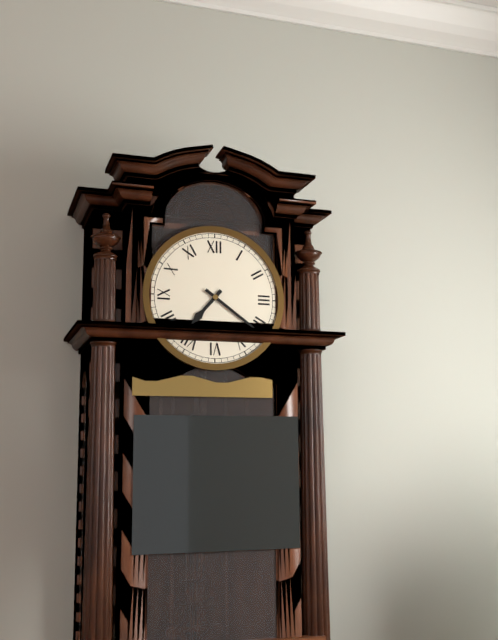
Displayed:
7,21
